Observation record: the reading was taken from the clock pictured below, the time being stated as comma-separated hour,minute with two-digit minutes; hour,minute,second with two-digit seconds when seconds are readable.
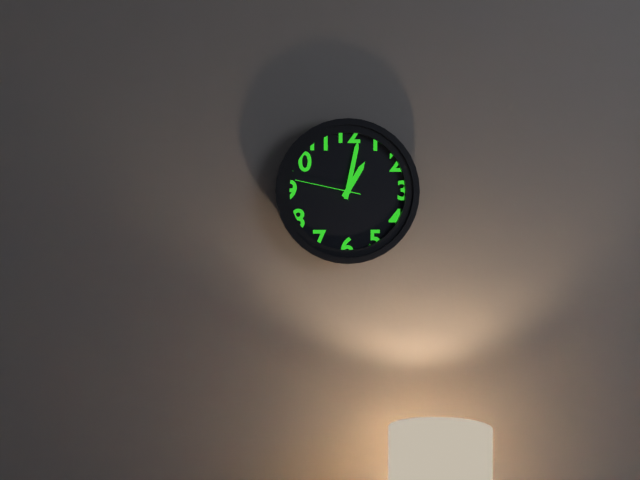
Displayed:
1,02,47
